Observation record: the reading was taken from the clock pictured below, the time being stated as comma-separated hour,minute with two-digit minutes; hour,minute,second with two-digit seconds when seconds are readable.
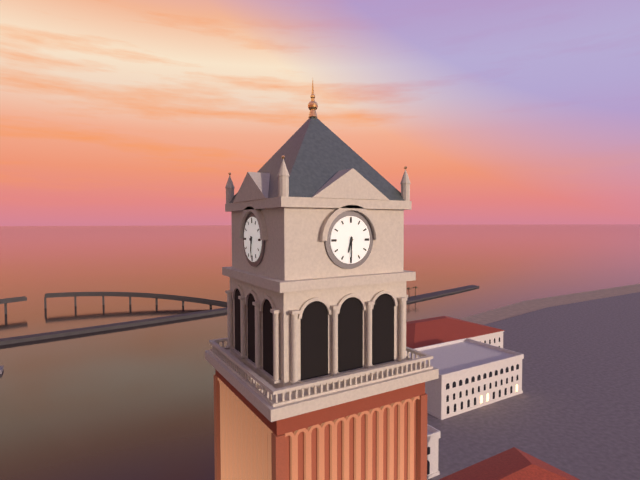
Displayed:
6,30
